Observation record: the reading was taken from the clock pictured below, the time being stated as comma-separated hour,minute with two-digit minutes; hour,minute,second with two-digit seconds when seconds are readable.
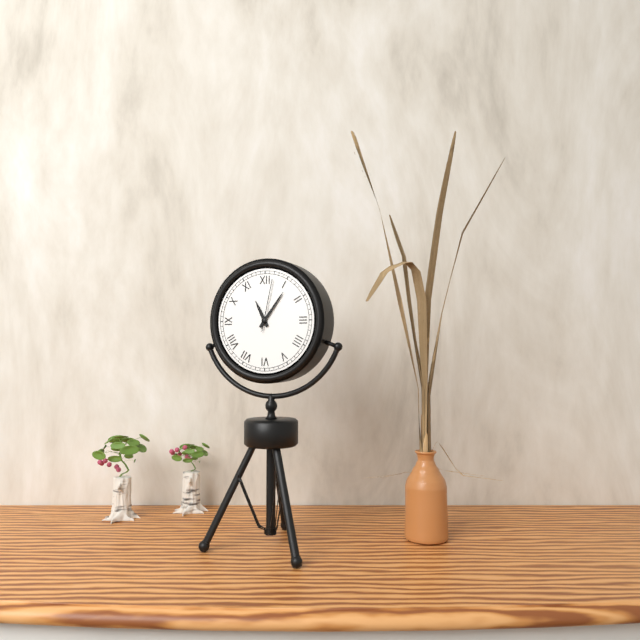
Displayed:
11,06,02
